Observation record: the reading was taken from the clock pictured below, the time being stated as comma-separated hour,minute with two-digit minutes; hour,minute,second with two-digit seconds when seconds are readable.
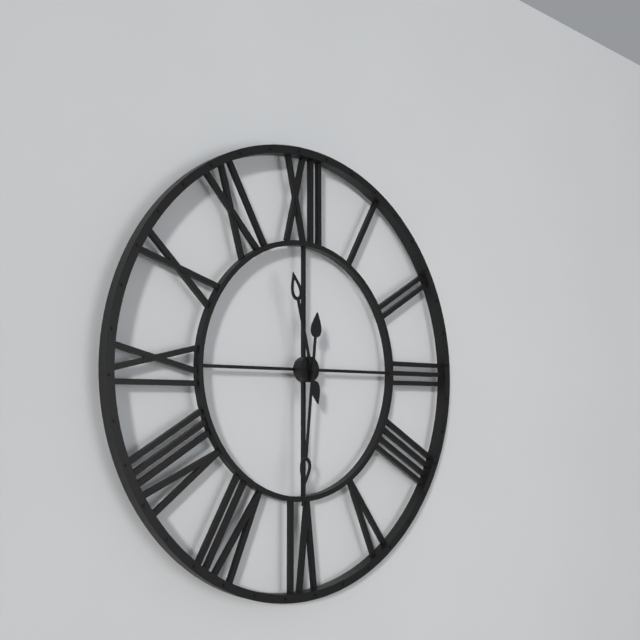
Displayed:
11,31
